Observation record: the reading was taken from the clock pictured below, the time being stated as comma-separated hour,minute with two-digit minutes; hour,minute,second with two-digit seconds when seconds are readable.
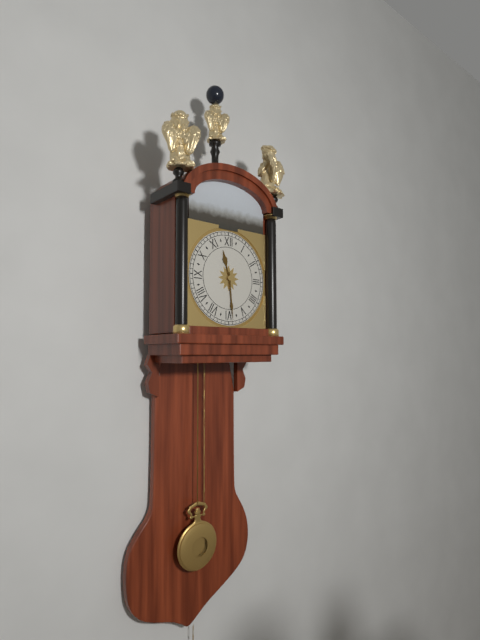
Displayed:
11,29
